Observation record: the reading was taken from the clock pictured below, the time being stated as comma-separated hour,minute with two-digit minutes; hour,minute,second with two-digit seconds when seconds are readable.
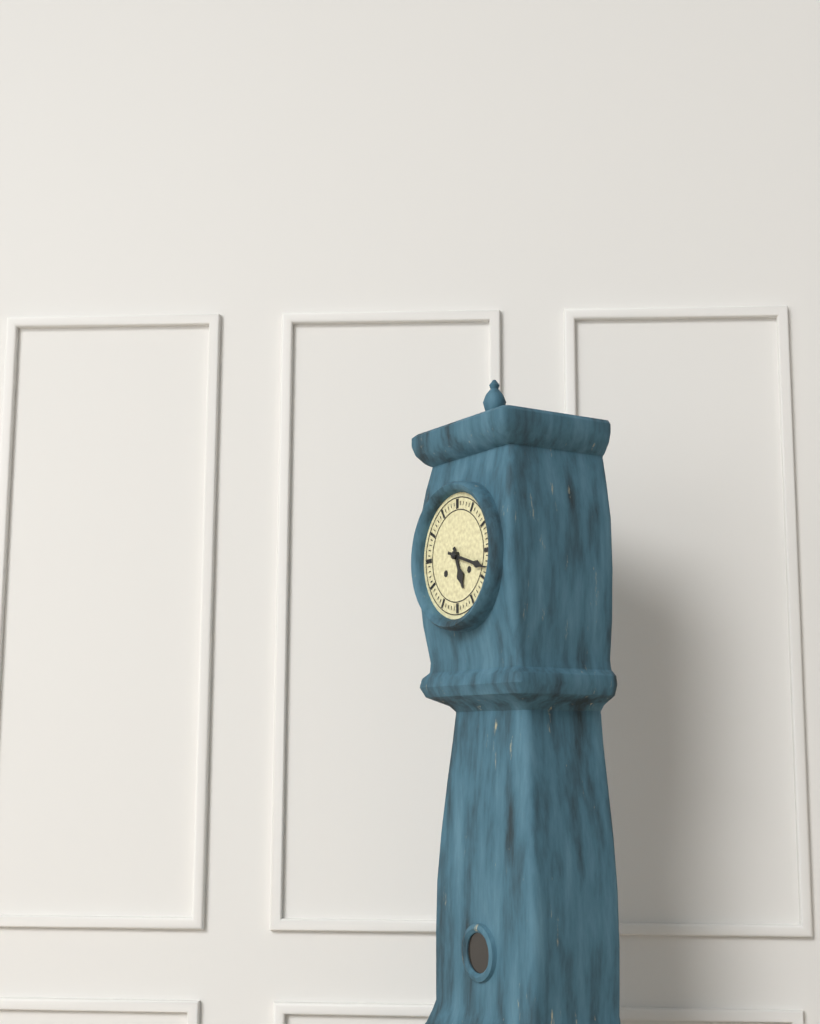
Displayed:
5,18
